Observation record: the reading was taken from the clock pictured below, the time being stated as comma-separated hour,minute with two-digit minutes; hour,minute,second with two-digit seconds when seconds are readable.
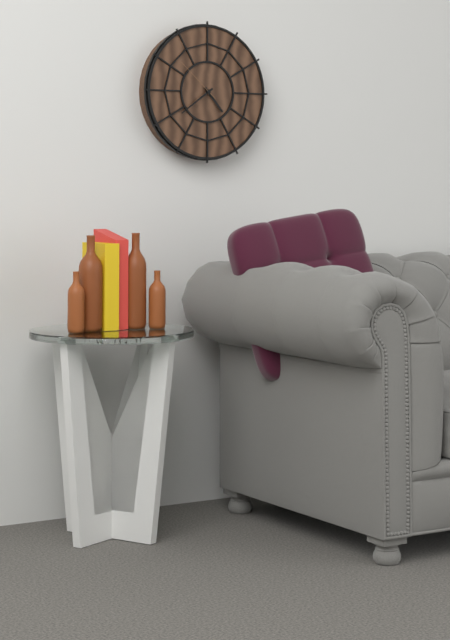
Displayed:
4,39
